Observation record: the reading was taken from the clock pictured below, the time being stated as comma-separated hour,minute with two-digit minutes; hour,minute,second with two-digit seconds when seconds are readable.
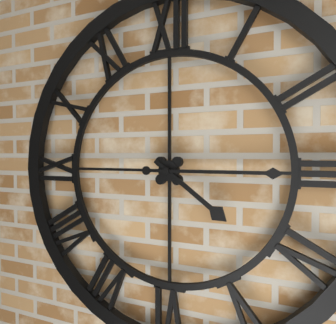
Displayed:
4,15
